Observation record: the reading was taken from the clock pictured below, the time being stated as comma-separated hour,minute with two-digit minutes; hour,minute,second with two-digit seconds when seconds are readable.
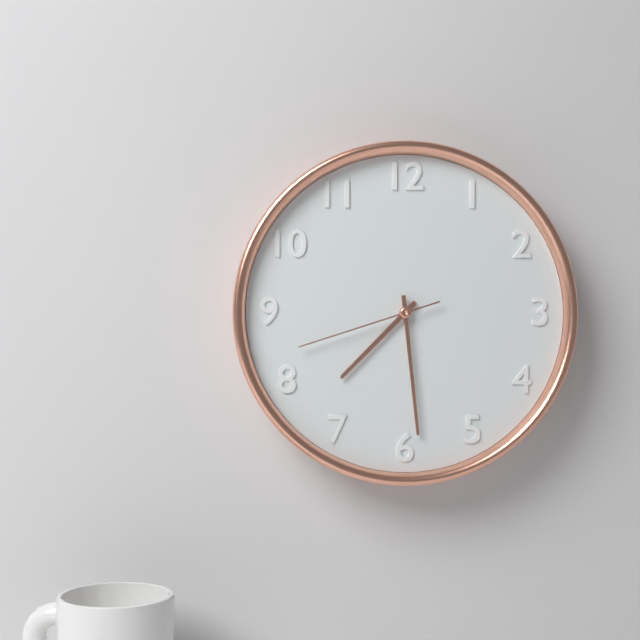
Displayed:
7,29,42
